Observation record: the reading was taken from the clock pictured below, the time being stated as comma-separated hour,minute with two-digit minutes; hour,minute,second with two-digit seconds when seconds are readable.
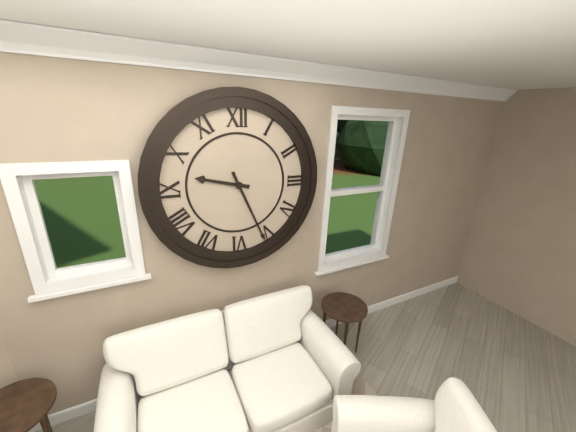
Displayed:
9,26
